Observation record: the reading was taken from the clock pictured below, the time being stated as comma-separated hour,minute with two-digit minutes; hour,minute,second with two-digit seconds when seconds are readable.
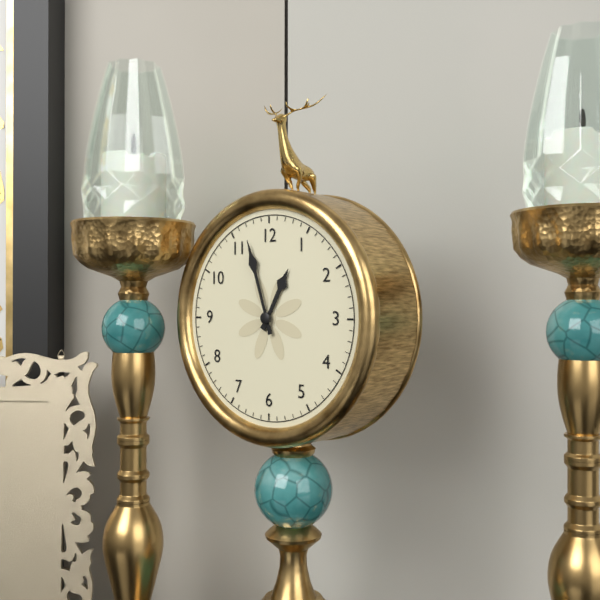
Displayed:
12,57
